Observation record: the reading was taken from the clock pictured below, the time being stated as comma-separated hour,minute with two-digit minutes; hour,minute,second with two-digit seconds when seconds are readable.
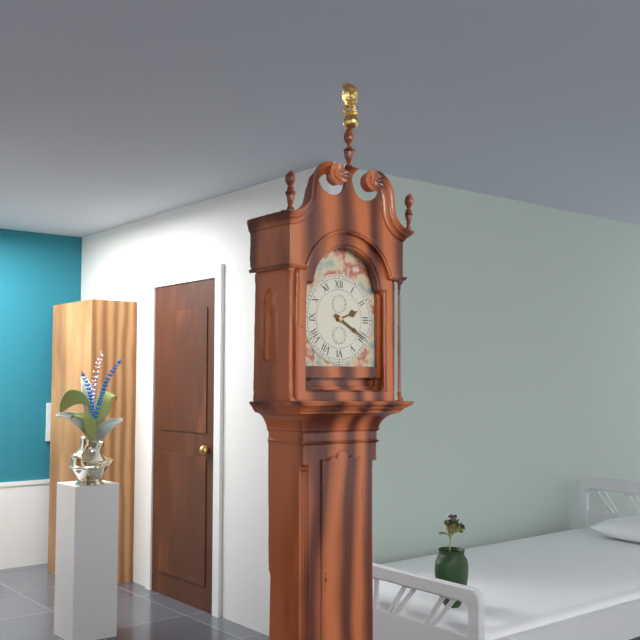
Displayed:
2,20
